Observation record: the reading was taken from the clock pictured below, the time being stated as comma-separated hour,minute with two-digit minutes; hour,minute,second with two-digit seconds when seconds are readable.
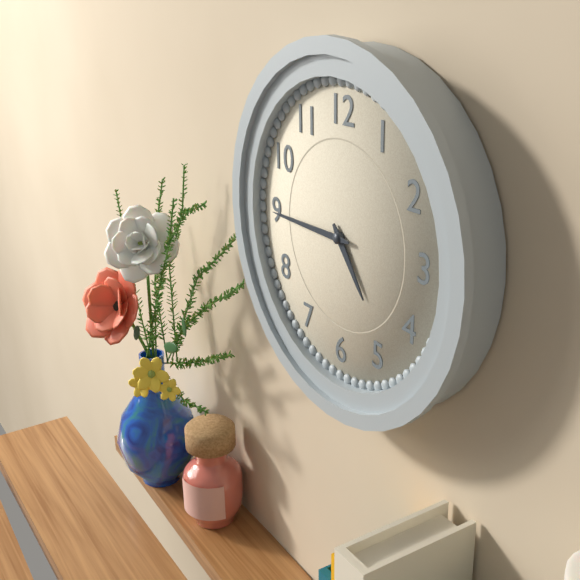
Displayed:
4,45
